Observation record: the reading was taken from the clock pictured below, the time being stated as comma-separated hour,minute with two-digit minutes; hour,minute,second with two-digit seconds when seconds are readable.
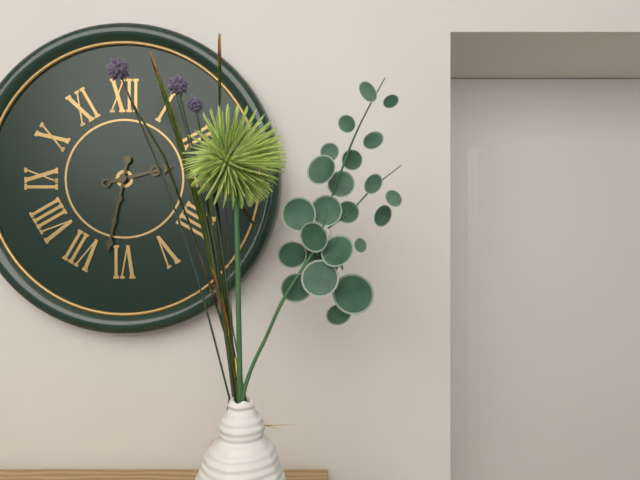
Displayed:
2,32
